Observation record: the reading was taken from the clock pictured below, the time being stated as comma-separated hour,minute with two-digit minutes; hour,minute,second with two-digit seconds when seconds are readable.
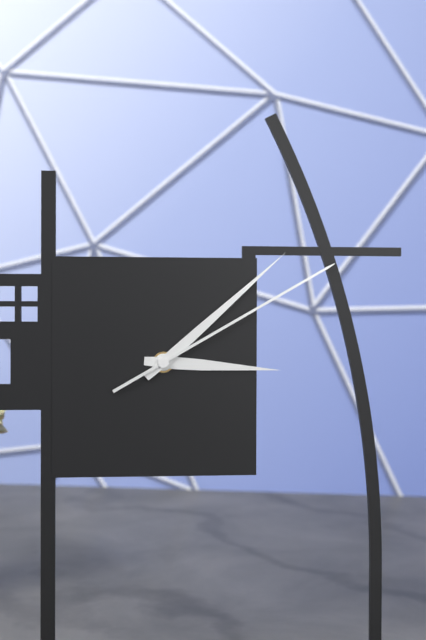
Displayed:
3,08,10
